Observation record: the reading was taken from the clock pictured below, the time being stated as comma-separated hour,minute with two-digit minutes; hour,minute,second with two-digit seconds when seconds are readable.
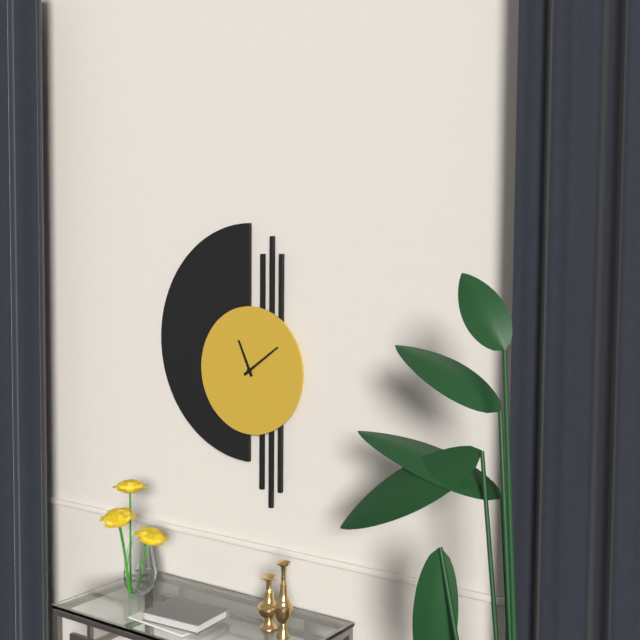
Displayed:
11,09
